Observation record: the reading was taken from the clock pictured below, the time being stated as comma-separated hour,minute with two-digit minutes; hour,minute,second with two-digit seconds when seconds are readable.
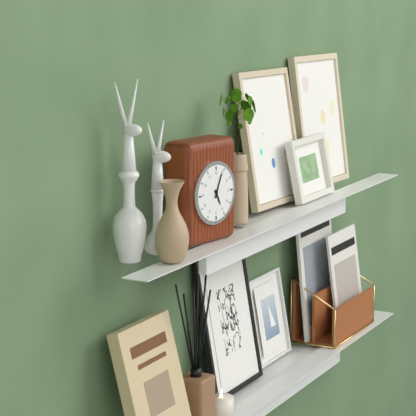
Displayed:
5,04
